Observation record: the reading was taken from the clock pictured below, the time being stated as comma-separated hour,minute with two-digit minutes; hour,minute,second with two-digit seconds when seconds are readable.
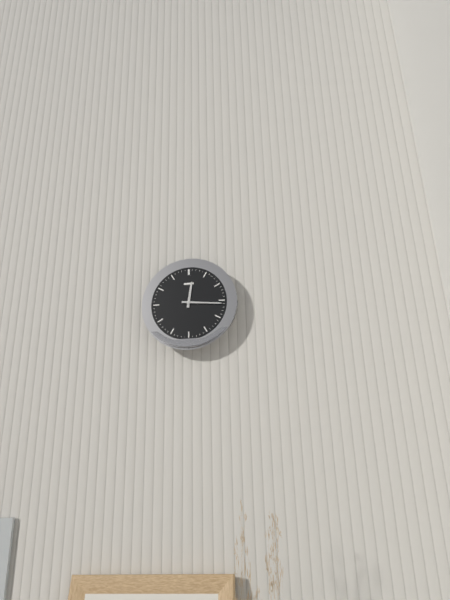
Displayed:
12,16
